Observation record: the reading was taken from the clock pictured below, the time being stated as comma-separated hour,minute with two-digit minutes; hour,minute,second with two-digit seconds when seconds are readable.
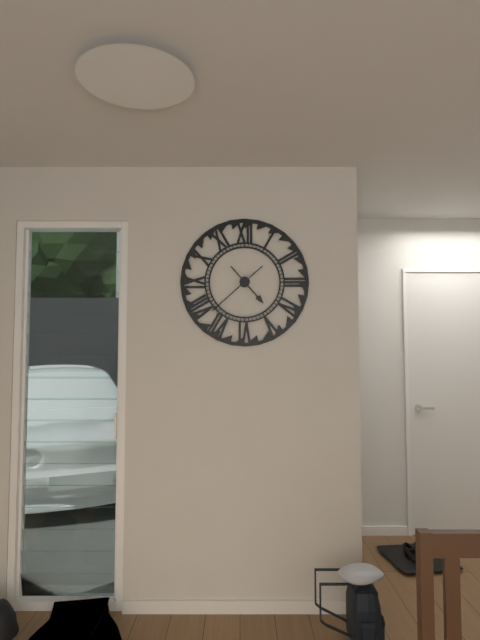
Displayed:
4,38
